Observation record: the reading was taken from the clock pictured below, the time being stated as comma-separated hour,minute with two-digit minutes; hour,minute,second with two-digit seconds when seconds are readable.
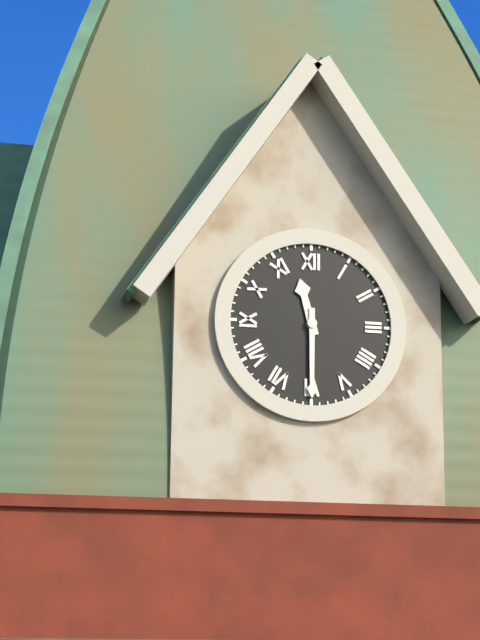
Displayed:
11,30
